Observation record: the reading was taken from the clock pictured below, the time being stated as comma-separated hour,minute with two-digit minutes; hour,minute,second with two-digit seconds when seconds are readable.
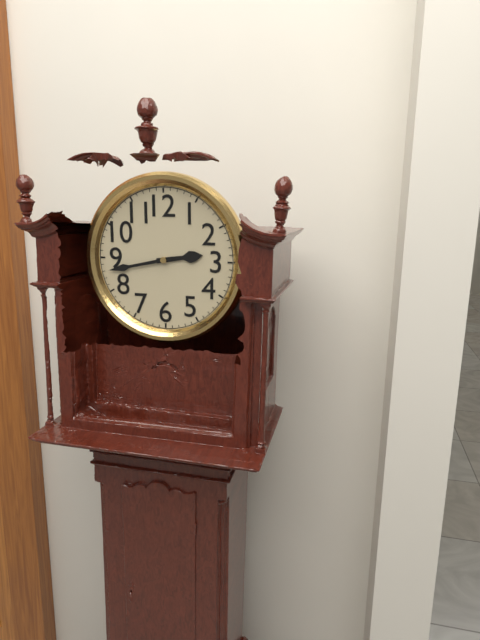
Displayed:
2,43
